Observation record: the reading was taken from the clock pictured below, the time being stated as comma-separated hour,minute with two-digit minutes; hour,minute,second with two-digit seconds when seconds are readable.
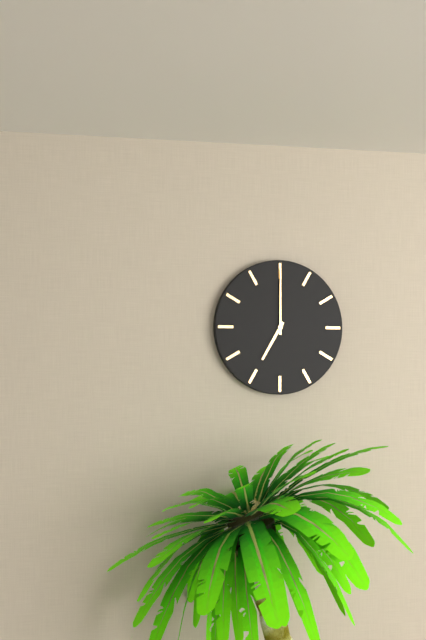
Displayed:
7,00
